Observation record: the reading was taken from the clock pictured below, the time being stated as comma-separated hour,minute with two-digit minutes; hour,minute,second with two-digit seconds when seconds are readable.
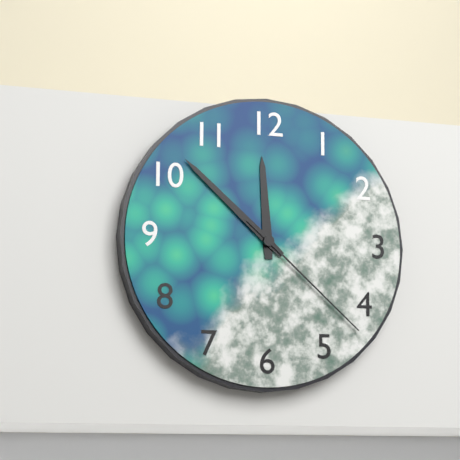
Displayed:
11,52,22
